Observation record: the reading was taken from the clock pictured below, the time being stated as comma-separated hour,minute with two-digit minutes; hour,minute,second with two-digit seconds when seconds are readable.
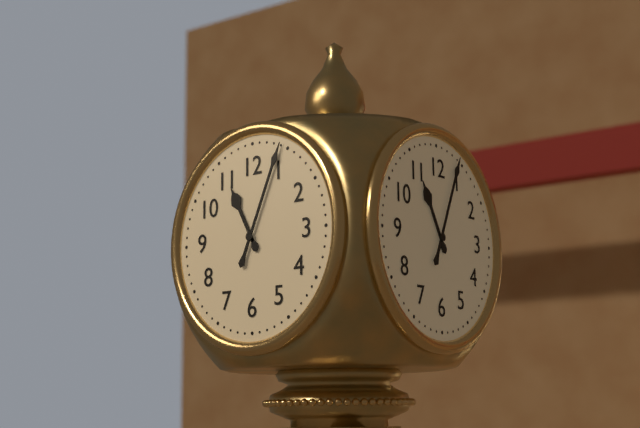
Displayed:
11,04
